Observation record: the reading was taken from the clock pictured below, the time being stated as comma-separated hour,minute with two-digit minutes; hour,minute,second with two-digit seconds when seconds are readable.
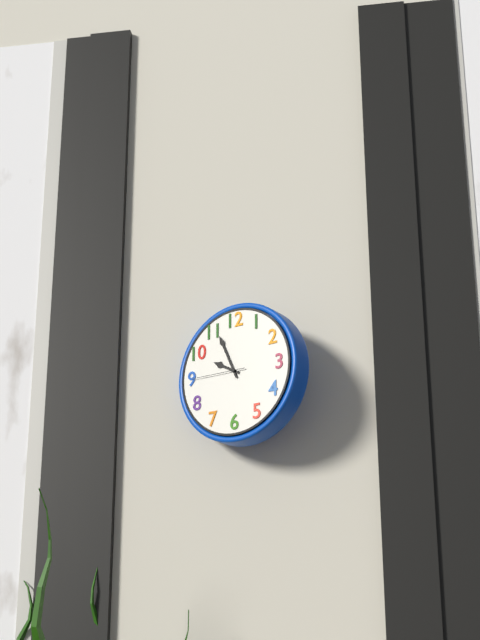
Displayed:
9,56,45
